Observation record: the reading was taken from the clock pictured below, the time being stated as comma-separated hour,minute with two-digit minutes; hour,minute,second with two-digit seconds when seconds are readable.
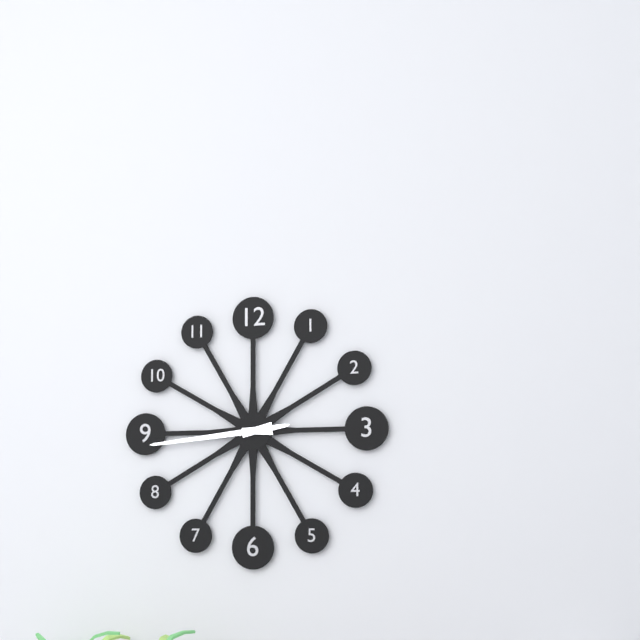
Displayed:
2,44
